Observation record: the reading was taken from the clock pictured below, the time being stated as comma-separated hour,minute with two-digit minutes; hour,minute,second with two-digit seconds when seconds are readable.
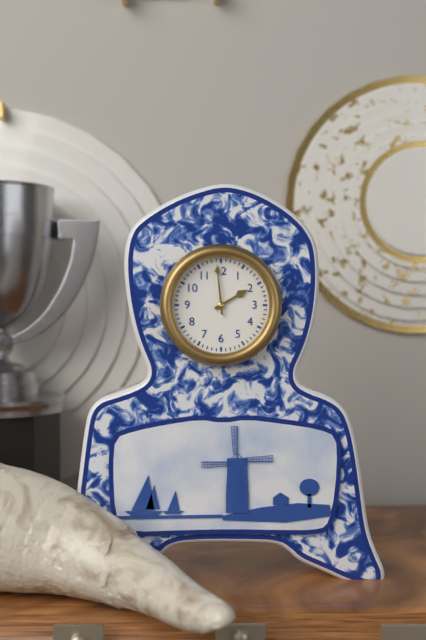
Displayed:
1,59
